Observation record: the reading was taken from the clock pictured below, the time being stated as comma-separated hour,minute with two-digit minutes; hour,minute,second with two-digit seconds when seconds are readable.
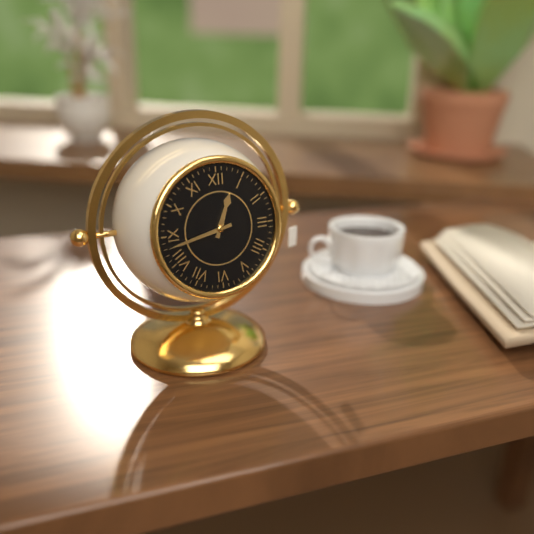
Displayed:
12,43
